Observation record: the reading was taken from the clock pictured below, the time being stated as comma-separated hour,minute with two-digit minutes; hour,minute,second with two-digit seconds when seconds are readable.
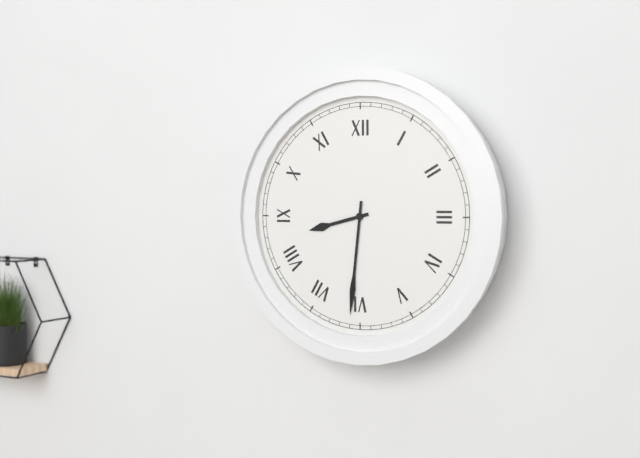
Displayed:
8,31
